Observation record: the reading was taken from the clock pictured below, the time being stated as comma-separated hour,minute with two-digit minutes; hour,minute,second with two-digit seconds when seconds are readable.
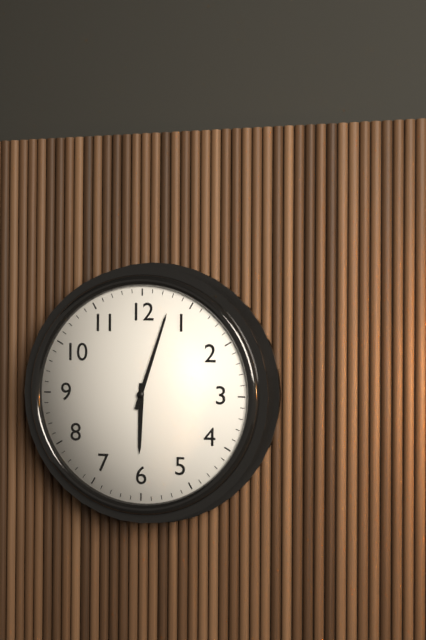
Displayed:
6,03
